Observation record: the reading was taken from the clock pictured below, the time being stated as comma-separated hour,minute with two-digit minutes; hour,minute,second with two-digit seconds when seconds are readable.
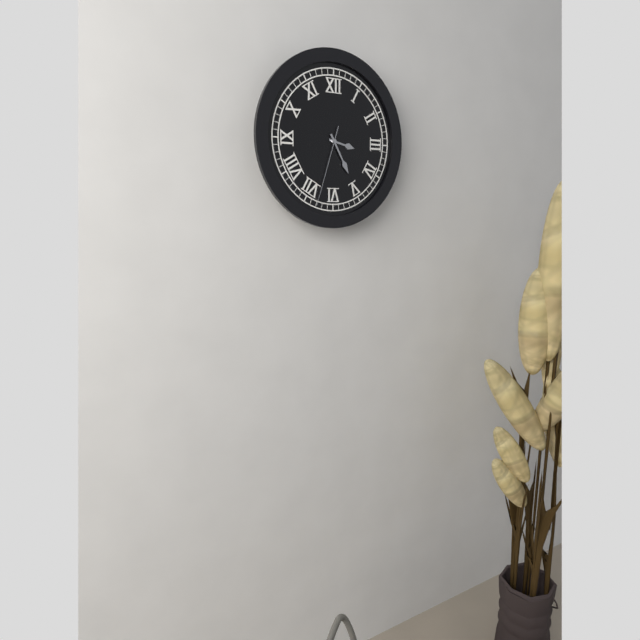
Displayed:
3,25,33
